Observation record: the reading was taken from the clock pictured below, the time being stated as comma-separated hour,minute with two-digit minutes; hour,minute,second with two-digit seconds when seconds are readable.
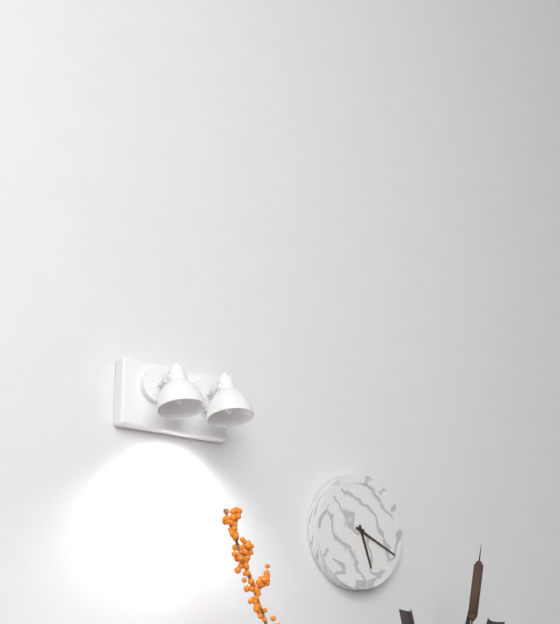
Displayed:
5,19
